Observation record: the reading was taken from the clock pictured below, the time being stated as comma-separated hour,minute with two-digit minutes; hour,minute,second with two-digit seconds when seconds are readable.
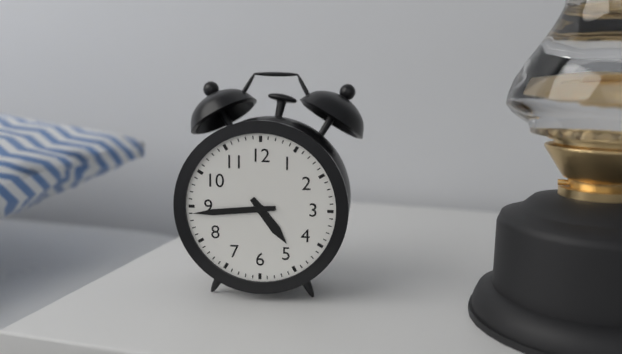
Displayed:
4,44
